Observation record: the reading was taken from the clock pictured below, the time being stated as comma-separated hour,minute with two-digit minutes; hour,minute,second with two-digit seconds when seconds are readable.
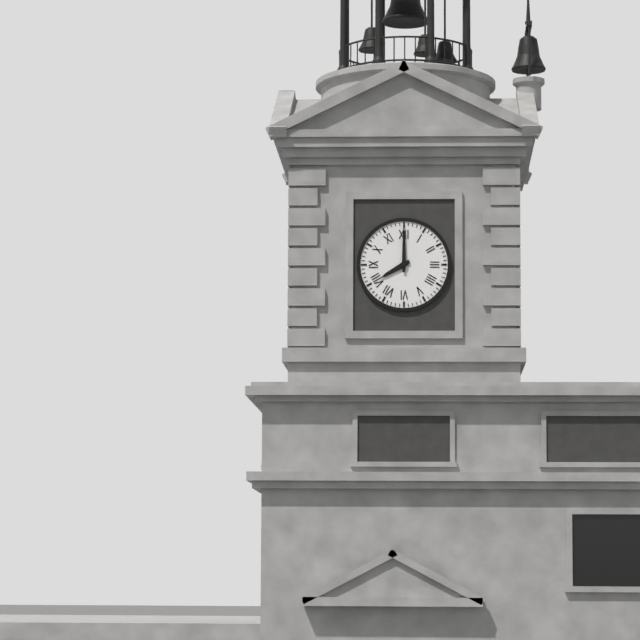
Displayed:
8,00
